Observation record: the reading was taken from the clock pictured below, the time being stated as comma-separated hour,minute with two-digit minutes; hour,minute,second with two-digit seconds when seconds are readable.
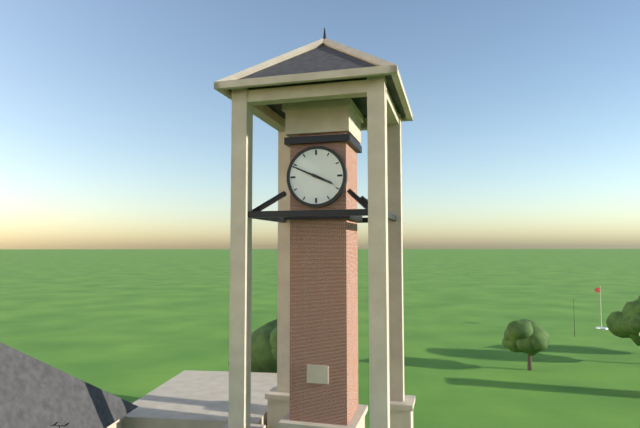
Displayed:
3,49
